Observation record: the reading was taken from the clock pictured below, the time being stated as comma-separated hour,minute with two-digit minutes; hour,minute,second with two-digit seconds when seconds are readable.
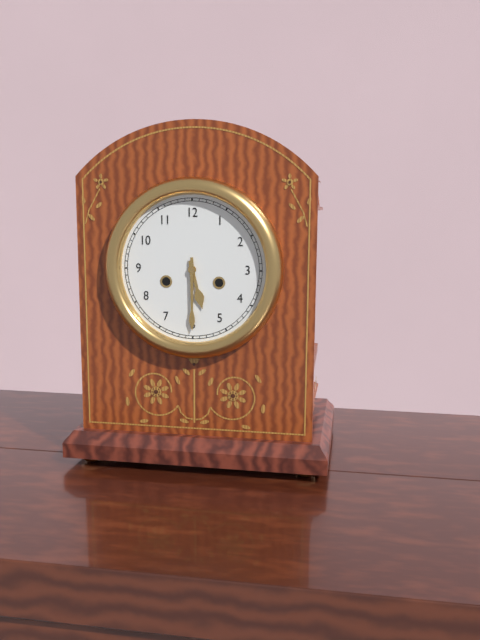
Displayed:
5,30
